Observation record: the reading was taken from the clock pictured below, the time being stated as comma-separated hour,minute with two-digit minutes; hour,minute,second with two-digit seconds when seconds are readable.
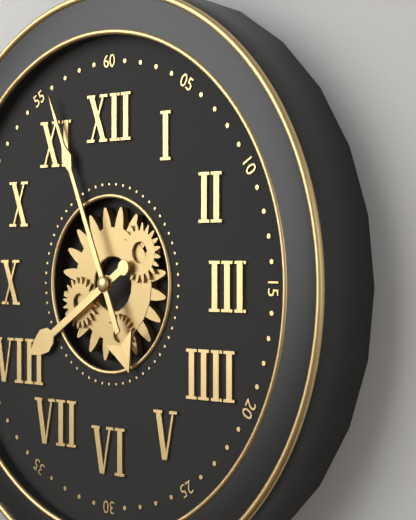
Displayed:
7,56
